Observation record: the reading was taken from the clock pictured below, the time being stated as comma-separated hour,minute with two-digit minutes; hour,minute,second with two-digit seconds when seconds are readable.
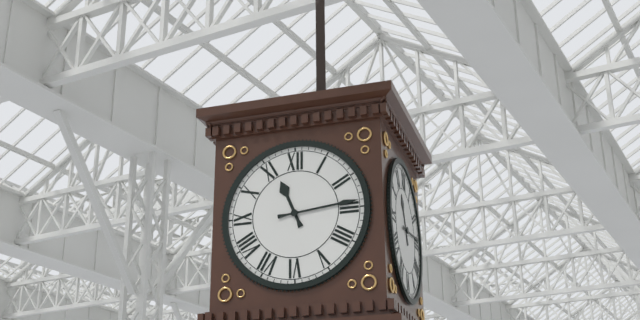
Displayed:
11,14
